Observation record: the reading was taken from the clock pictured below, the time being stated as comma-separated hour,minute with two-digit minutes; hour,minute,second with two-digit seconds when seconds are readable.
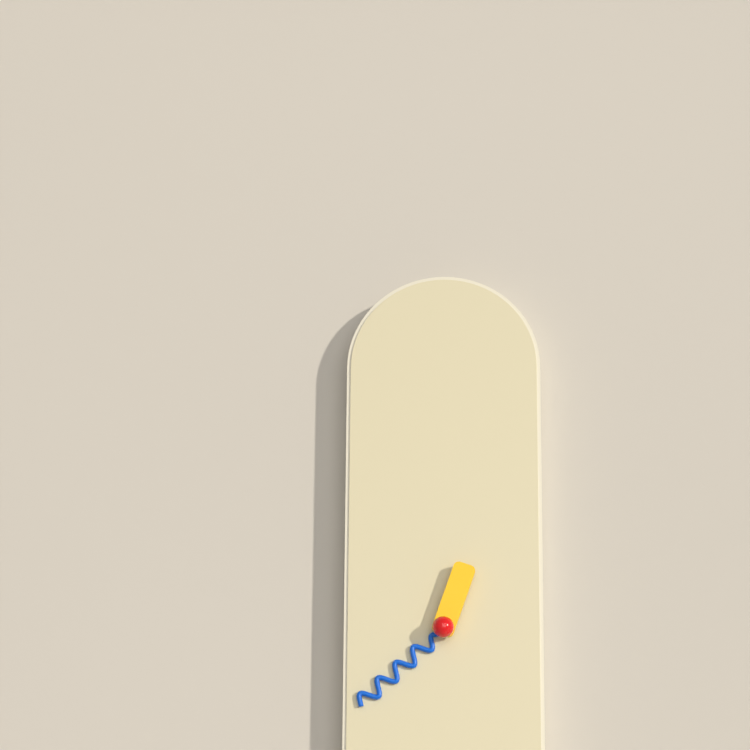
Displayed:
12,38
